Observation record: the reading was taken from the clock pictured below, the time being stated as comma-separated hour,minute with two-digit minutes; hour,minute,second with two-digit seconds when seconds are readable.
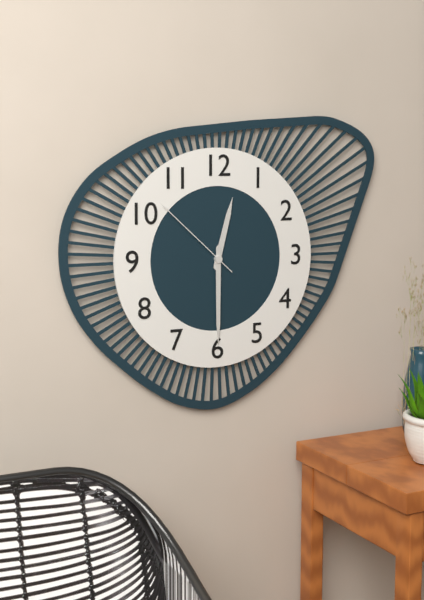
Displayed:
12,30,52
